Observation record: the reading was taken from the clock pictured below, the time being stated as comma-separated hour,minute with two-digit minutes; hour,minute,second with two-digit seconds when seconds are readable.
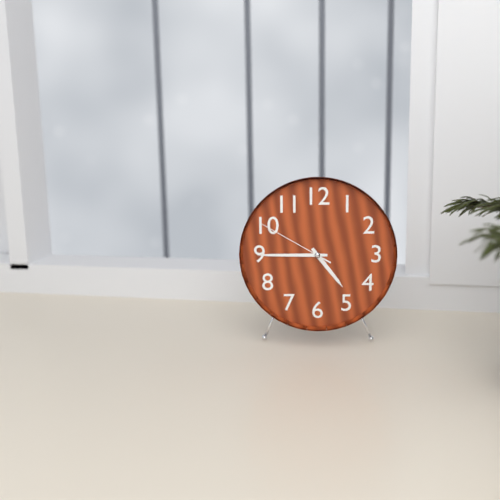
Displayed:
4,45,50
